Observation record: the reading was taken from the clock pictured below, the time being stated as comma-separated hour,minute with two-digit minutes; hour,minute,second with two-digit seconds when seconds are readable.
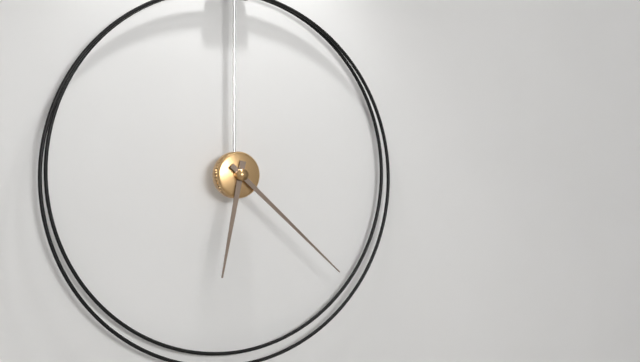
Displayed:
6,22
